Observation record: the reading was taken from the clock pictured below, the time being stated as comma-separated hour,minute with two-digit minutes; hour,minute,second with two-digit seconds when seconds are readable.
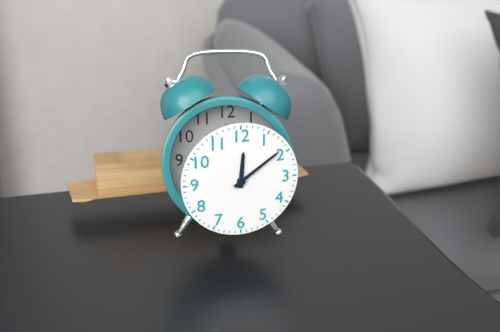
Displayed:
12,09
